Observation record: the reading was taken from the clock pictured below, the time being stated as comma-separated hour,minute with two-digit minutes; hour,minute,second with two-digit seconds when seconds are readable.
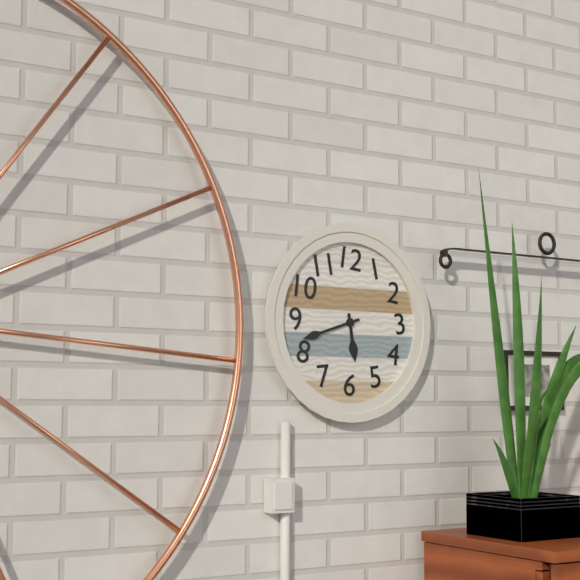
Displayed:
5,42
